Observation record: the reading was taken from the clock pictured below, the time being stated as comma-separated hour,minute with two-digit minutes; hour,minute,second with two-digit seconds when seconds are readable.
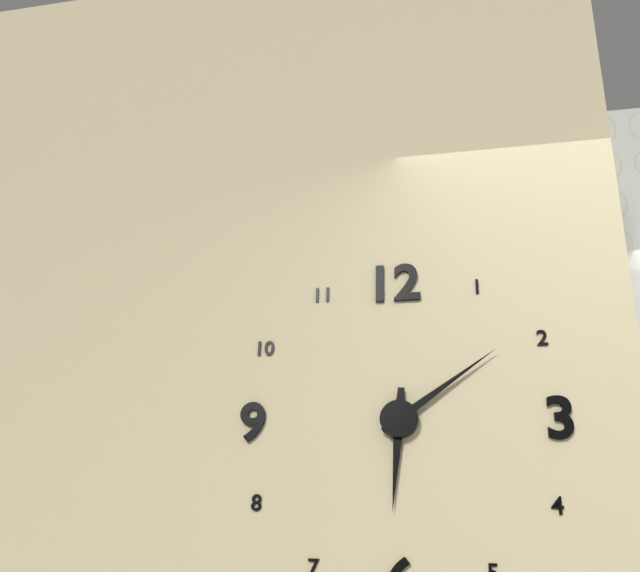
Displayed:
6,09
